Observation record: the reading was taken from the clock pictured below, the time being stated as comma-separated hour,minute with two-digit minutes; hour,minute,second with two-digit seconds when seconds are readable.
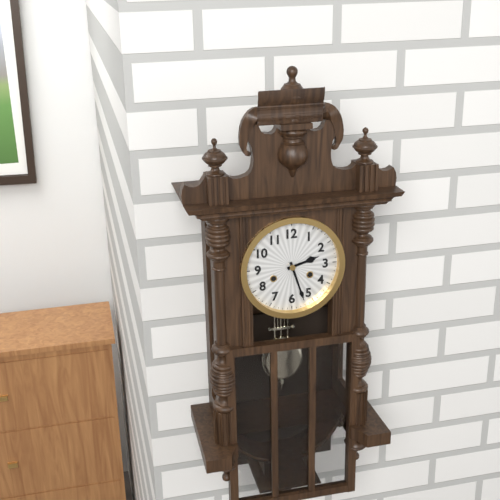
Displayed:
2,27
